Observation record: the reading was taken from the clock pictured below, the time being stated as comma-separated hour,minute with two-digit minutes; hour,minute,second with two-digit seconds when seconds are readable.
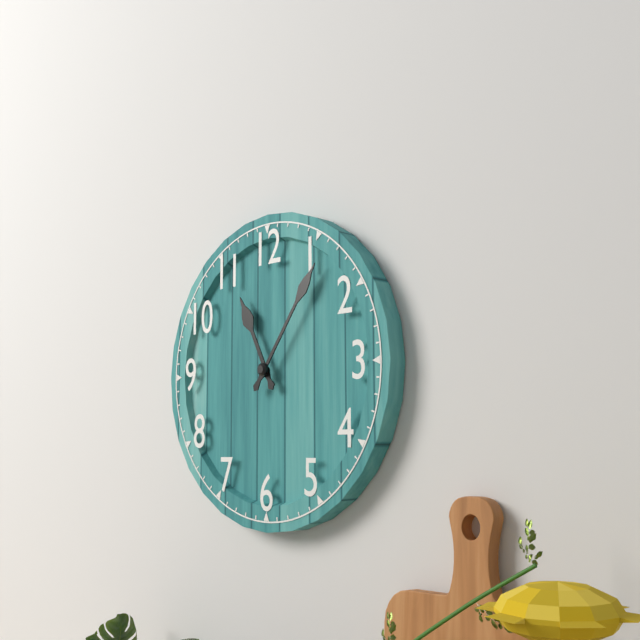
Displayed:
11,06
